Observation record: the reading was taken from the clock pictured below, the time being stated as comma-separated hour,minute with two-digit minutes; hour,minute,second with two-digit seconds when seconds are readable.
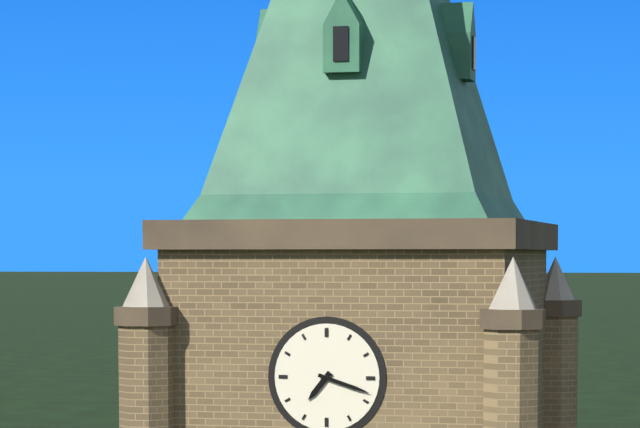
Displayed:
7,18
